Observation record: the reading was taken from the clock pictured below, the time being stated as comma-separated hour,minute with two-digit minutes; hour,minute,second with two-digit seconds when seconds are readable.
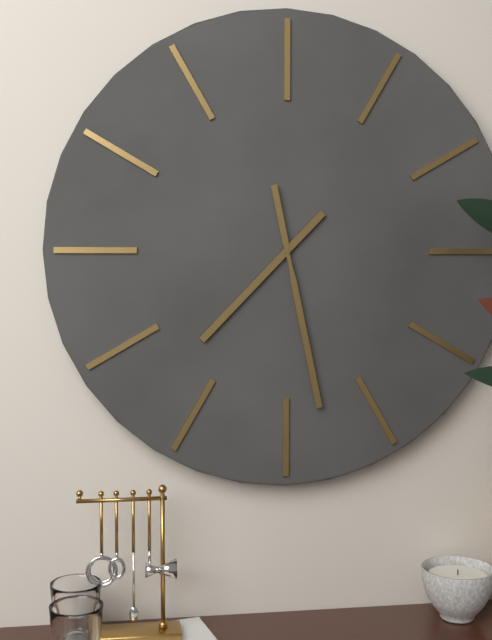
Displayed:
7,28
